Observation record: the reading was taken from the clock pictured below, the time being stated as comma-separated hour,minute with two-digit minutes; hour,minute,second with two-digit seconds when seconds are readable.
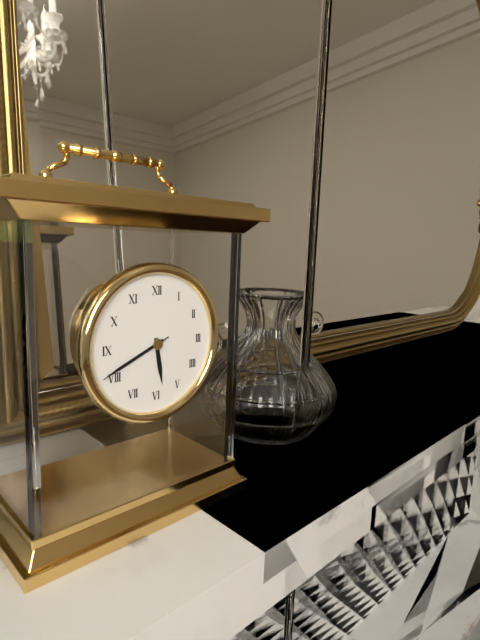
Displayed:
5,41,41
